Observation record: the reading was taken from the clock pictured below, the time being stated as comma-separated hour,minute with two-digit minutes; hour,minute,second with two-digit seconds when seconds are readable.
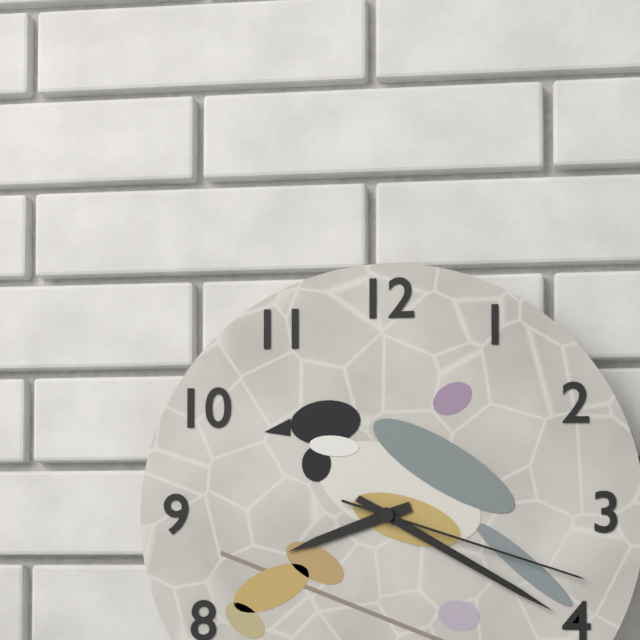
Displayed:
8,20,18
